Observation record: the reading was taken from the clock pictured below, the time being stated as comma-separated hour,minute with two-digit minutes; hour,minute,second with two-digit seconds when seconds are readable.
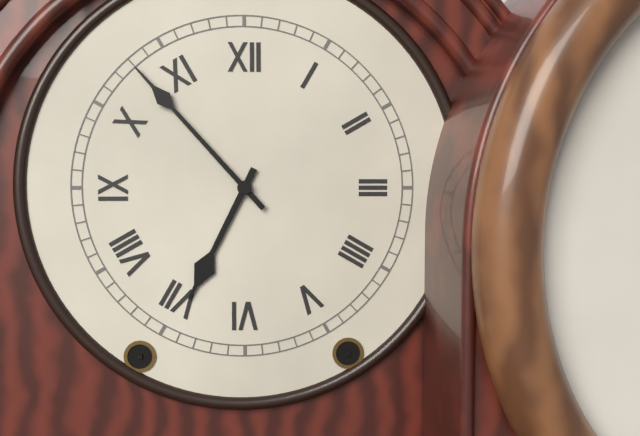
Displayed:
6,53
